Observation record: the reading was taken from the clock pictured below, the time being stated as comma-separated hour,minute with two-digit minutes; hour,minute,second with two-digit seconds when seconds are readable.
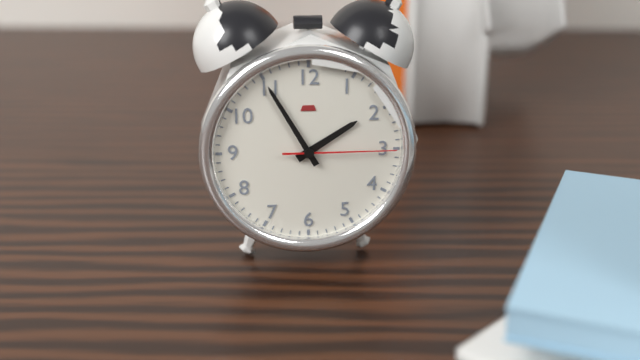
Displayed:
1,55,15
